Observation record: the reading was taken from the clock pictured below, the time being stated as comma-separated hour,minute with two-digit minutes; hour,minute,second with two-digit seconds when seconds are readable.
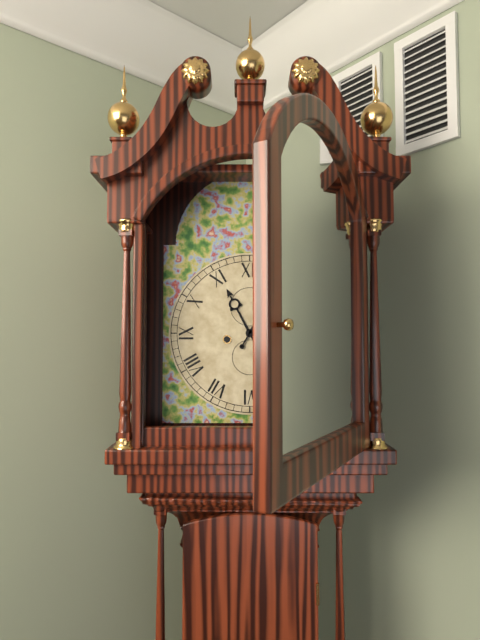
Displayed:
11,05
